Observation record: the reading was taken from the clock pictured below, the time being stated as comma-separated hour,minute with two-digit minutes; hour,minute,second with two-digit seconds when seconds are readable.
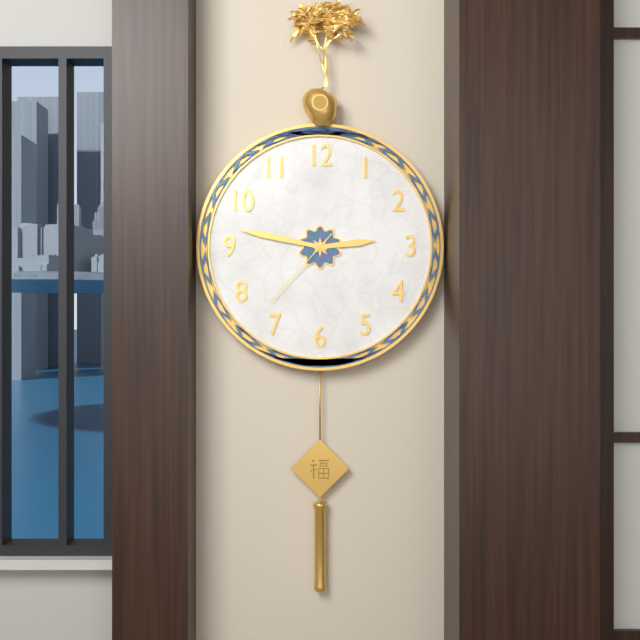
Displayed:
2,47,37
